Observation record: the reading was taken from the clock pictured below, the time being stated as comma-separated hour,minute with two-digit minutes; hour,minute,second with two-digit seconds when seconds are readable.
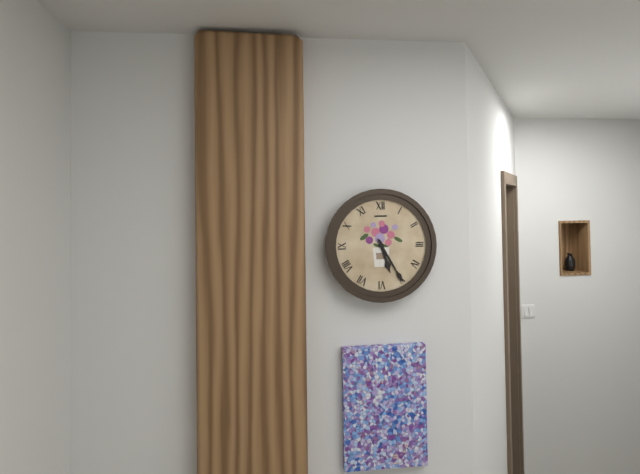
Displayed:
5,25
